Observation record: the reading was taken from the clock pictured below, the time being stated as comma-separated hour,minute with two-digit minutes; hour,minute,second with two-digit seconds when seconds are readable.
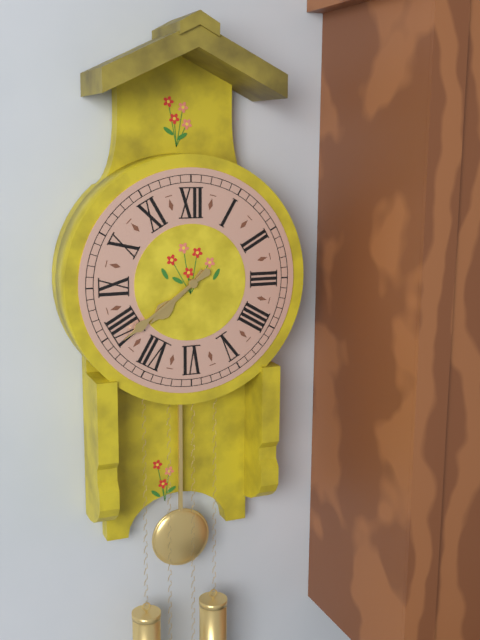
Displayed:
7,39
